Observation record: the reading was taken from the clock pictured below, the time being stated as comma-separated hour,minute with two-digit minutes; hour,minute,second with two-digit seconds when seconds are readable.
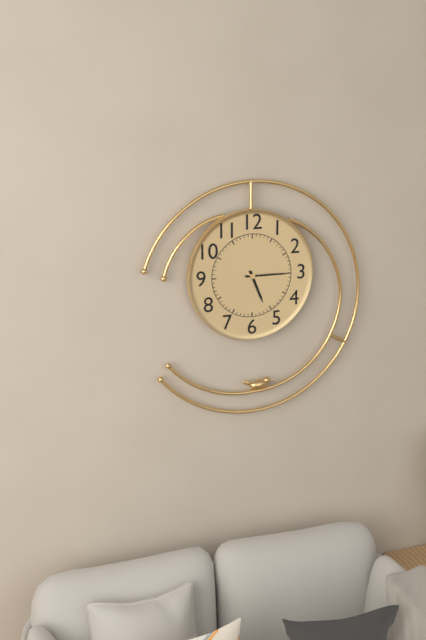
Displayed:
5,15
